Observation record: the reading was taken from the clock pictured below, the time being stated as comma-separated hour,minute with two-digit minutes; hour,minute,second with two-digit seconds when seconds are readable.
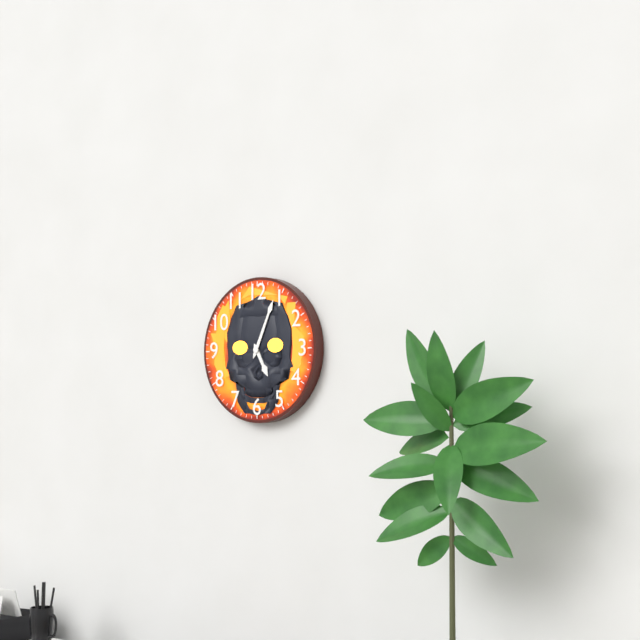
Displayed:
5,04
